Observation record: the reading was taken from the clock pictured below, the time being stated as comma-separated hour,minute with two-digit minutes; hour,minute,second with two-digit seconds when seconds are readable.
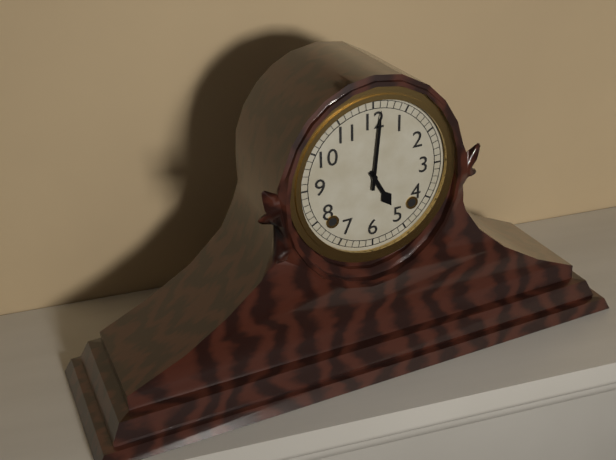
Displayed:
5,01
